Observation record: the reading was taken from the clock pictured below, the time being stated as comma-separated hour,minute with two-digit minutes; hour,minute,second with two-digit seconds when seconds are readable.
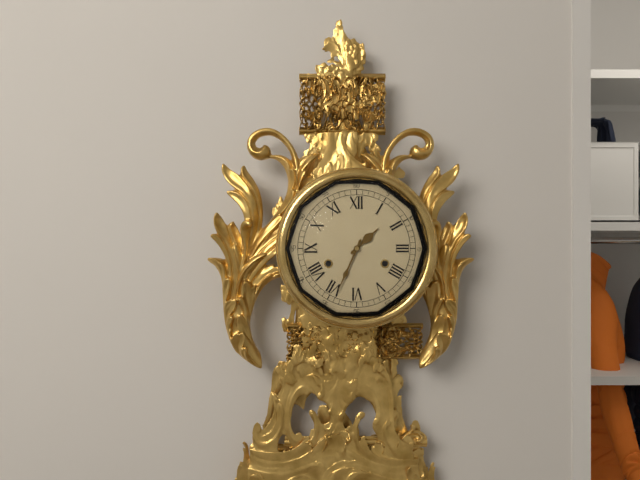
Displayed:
1,34
